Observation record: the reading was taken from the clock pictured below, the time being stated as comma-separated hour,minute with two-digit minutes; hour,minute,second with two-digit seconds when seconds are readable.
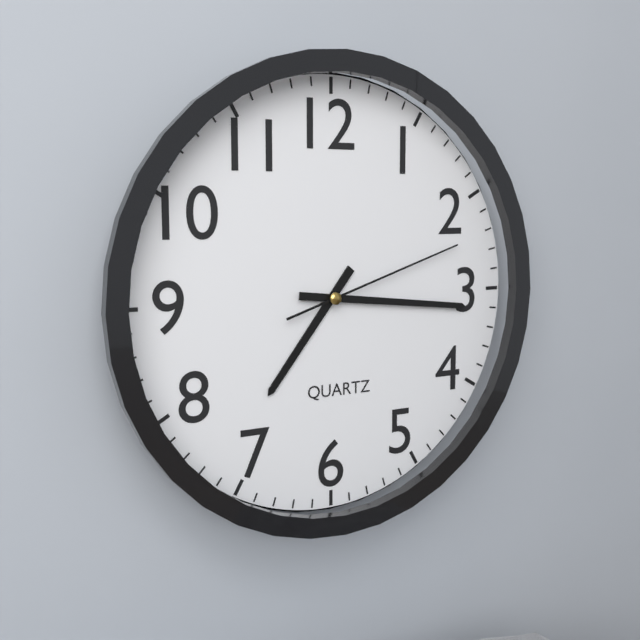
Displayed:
7,16,12
